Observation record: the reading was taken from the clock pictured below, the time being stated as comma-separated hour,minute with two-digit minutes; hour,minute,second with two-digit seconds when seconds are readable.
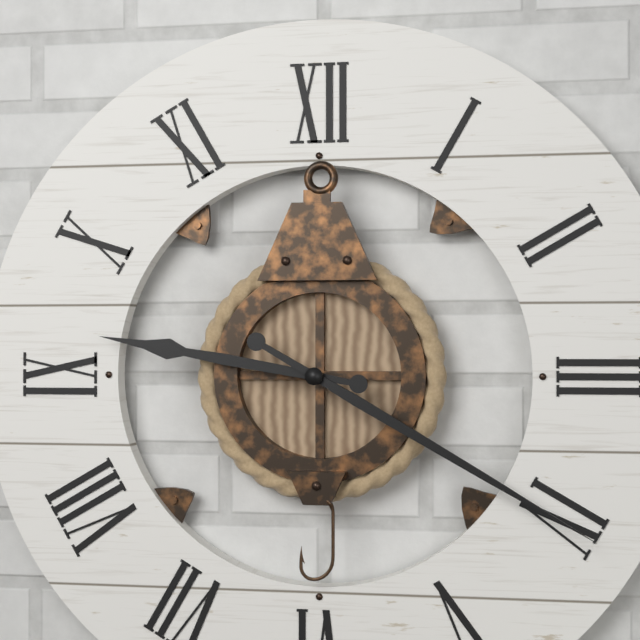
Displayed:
9,20
